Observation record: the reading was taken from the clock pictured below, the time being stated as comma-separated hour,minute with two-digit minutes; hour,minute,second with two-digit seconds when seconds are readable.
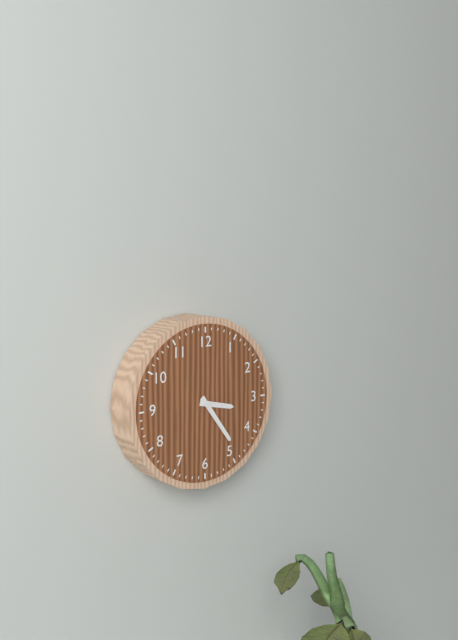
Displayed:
3,24
